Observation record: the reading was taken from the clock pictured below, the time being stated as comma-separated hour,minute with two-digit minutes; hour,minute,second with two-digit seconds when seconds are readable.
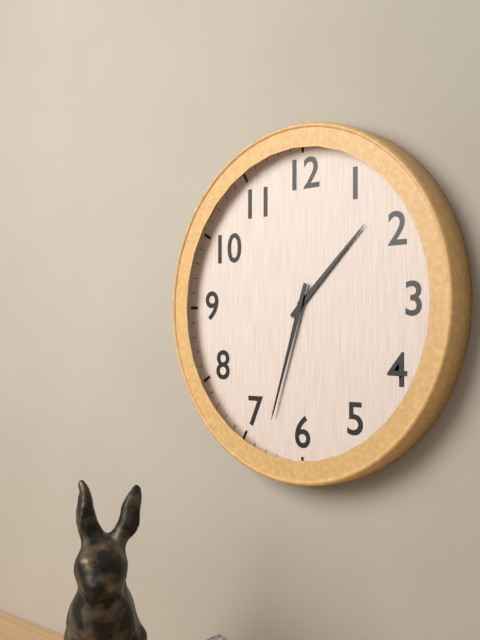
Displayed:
1,33
